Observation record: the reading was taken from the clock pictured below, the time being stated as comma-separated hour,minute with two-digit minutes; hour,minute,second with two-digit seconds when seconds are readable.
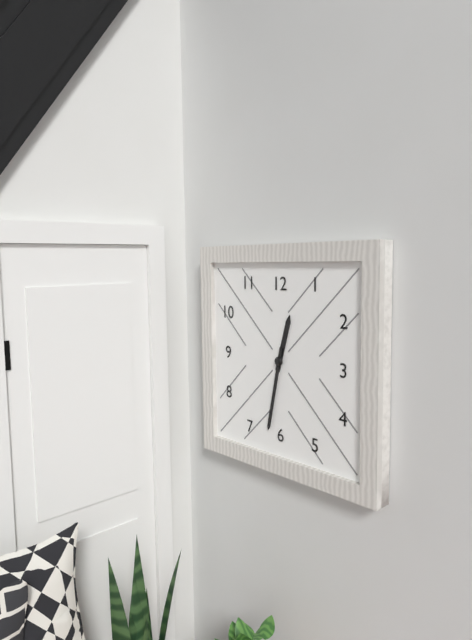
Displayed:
12,32
